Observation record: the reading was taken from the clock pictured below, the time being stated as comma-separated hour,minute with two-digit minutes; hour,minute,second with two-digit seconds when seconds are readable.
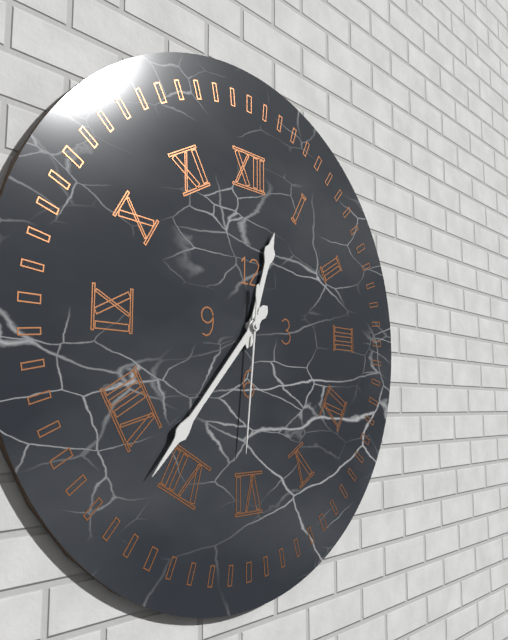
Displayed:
12,37,31
